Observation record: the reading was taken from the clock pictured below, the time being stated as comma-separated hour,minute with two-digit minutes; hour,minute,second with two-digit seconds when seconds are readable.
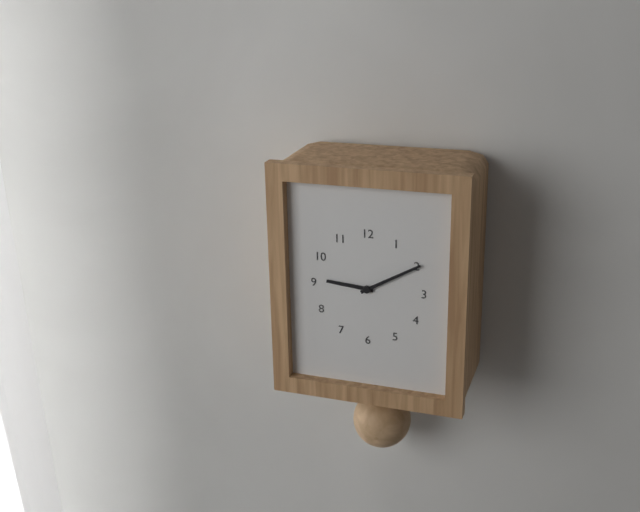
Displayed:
9,10
